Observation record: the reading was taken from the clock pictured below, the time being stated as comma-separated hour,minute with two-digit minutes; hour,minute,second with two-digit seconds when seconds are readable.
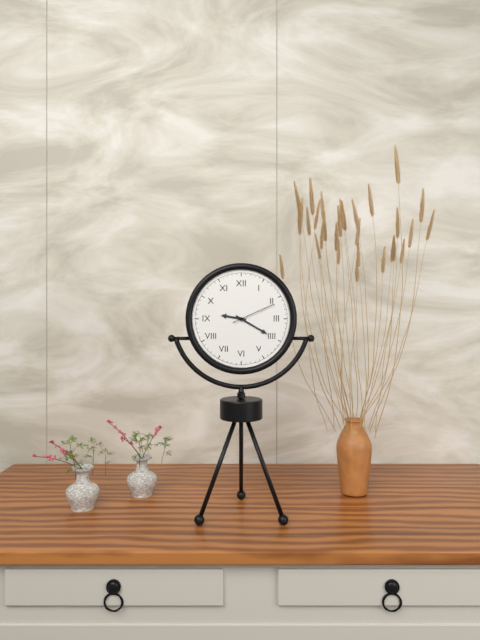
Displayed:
9,20
